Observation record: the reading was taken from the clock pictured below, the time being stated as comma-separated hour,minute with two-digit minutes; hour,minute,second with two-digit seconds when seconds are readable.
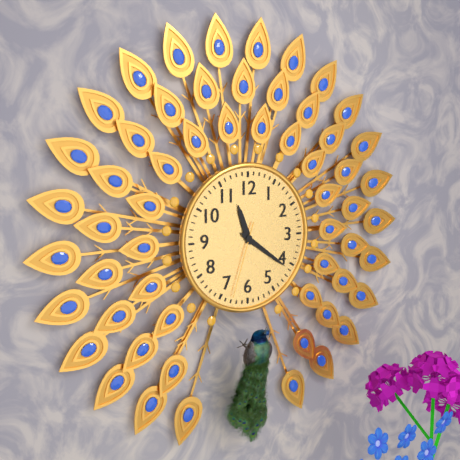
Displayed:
11,21,33
